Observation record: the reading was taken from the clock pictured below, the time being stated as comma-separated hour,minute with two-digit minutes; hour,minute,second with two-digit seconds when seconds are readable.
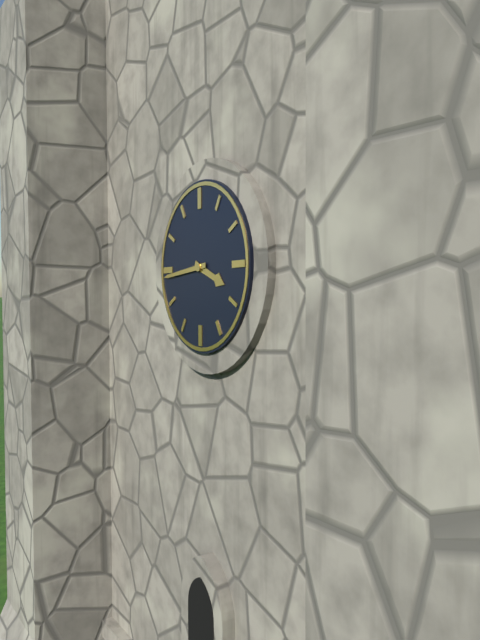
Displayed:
3,44
